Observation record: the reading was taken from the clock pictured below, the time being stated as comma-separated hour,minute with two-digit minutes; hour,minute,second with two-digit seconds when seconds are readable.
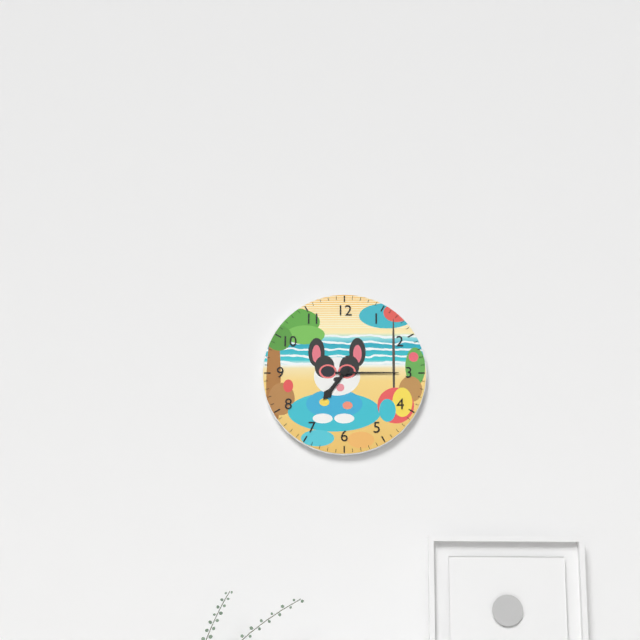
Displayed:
7,15
